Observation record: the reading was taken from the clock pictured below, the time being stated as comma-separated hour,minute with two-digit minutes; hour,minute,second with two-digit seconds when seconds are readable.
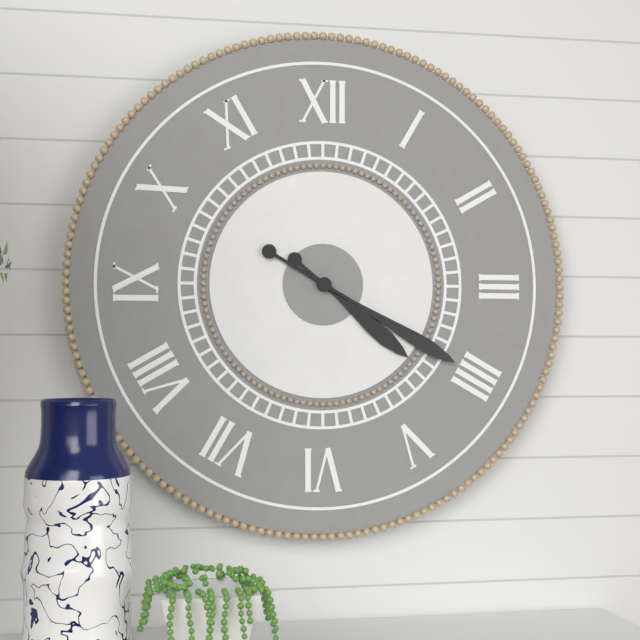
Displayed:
4,20
